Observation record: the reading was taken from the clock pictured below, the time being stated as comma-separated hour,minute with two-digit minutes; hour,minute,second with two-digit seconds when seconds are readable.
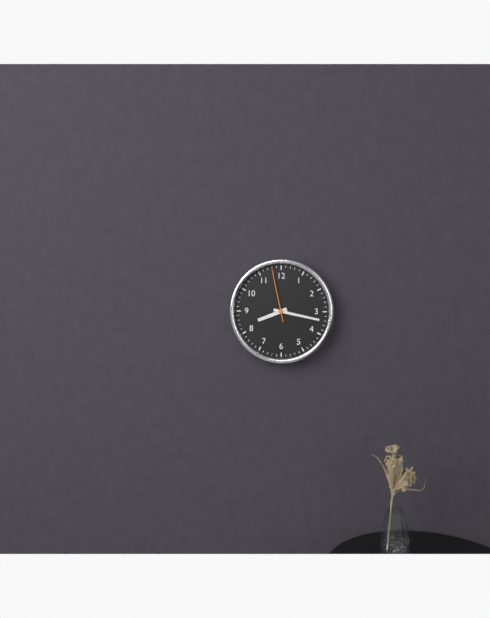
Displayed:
8,17,58
